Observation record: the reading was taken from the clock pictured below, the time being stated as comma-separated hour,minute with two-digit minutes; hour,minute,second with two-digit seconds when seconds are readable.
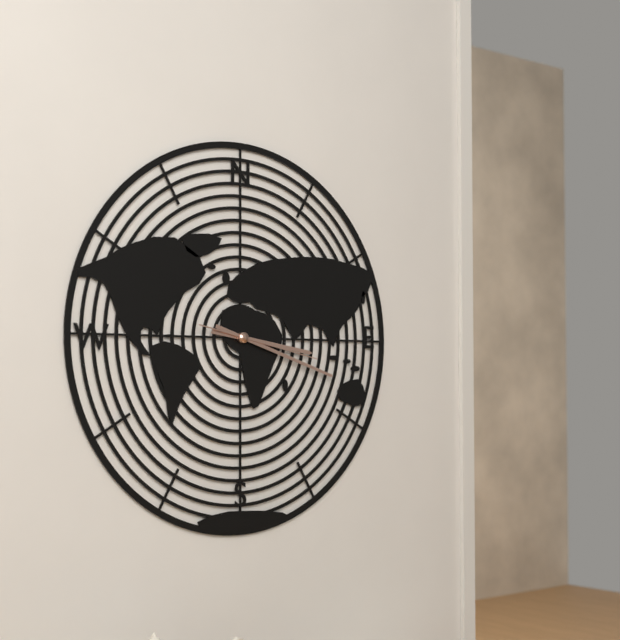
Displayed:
3,18,17
